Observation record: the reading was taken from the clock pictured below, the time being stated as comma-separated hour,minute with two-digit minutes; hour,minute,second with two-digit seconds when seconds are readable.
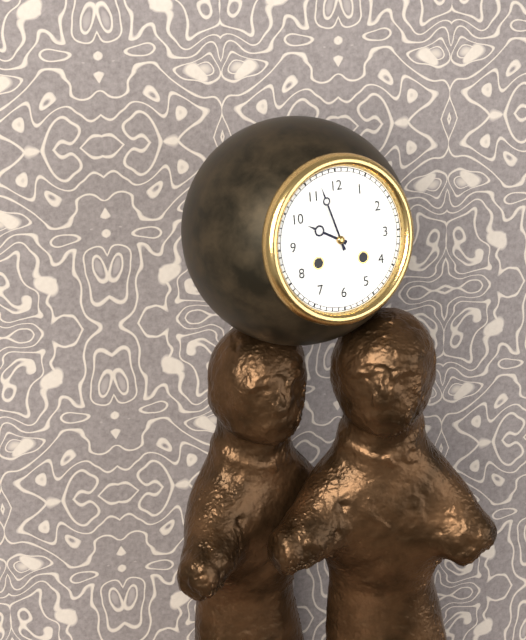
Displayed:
9,57
